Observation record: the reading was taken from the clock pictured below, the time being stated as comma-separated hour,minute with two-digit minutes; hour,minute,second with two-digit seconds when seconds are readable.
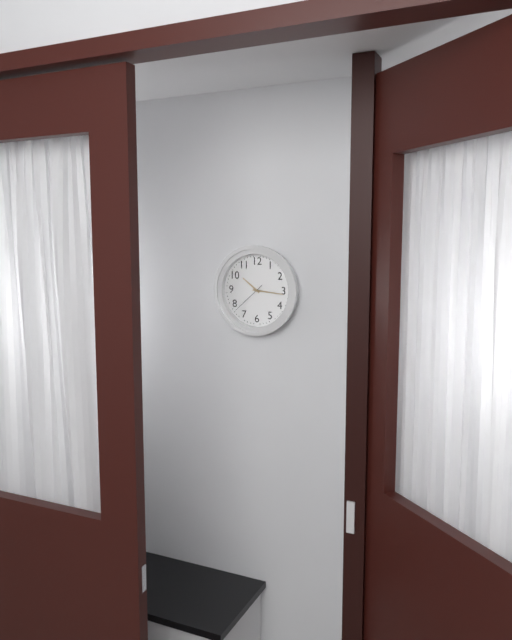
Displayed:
10,16
